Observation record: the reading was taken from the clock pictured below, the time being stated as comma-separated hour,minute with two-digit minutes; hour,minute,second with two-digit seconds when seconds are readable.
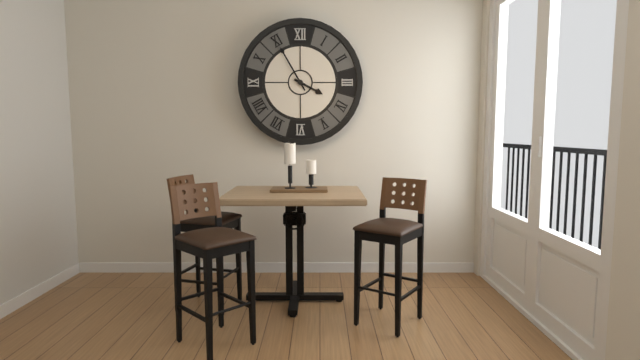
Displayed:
3,55
